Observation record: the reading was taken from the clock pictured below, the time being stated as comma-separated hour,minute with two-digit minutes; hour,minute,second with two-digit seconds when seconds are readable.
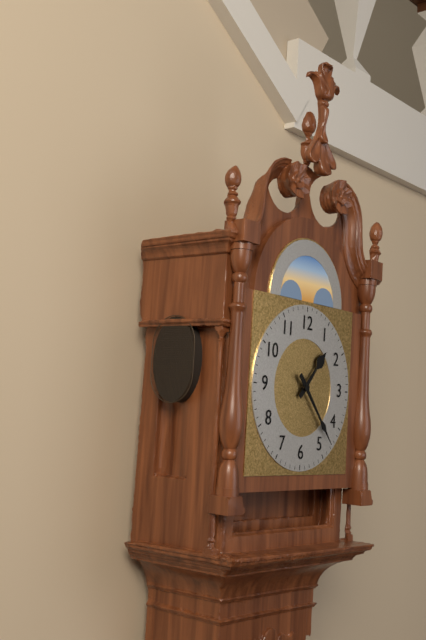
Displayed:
1,23
